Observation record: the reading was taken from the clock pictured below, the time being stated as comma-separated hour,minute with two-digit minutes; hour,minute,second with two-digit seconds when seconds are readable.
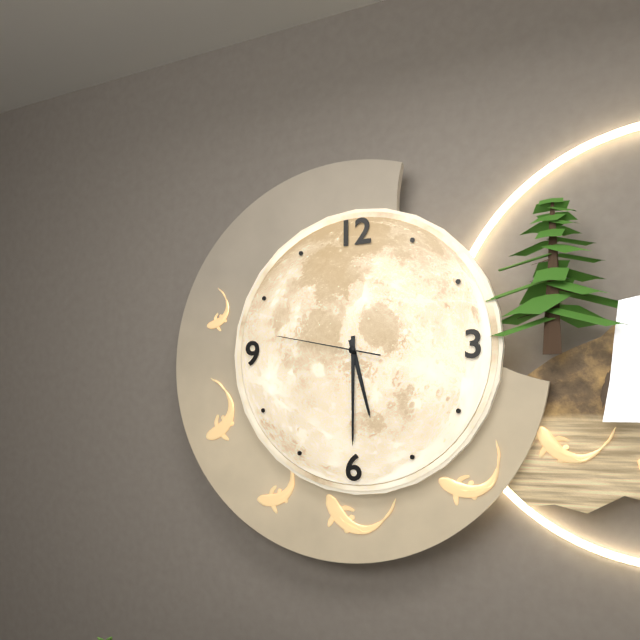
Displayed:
5,30,47
